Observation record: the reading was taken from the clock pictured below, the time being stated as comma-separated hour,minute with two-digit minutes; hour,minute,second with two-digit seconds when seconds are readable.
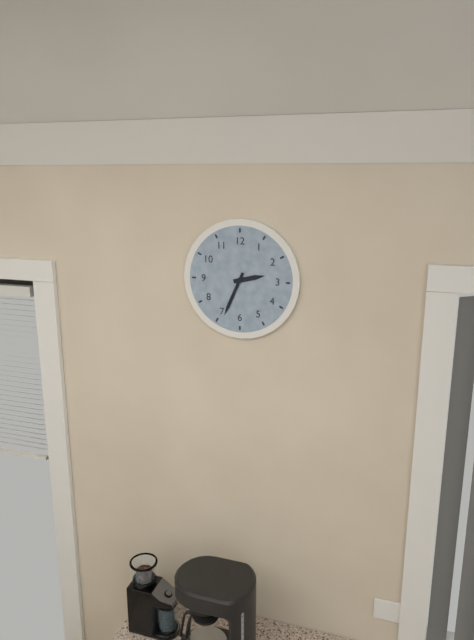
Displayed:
2,34
